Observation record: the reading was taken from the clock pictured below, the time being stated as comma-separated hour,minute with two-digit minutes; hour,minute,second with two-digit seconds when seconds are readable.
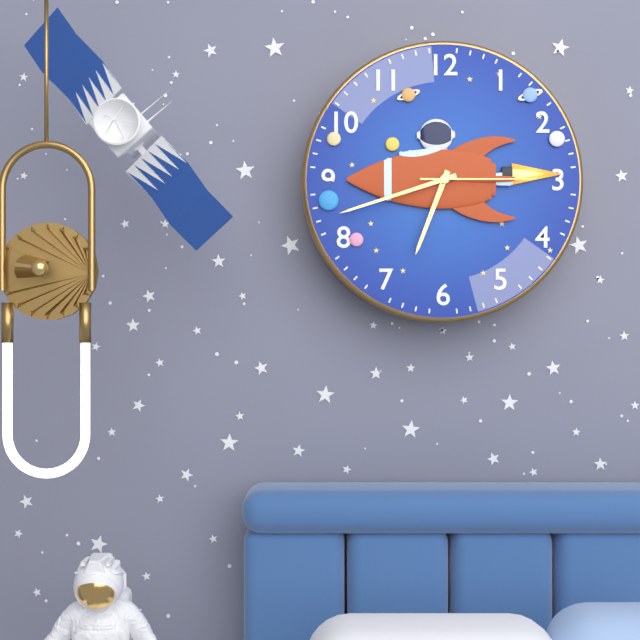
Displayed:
6,42,15
